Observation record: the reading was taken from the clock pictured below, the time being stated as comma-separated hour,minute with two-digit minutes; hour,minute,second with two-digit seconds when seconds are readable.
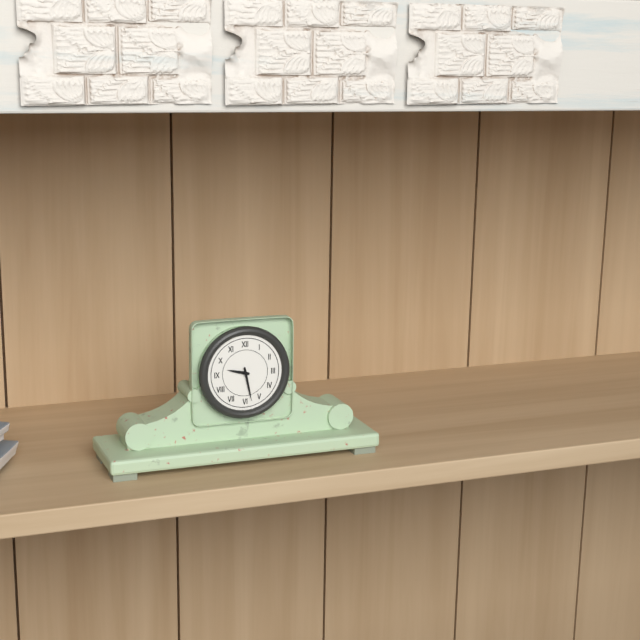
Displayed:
9,28
